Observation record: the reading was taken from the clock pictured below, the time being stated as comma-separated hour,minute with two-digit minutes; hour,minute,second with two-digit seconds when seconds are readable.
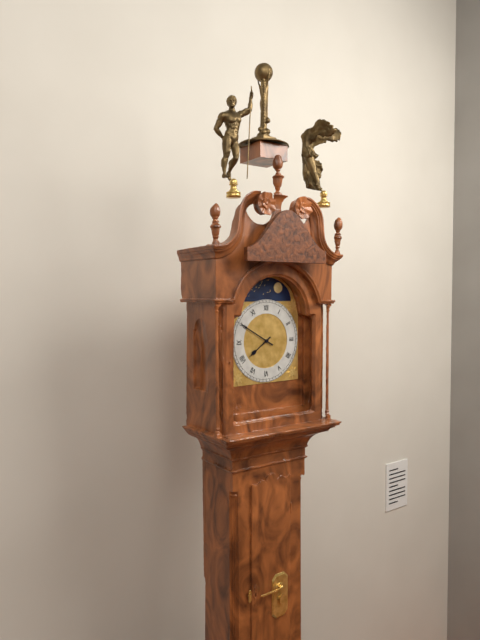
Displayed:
7,50
